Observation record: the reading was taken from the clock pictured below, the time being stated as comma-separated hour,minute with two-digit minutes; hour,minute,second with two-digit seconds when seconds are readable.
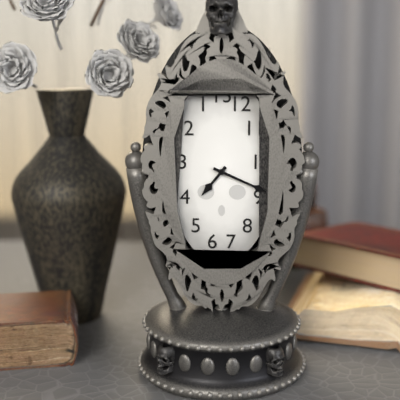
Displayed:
7,19
